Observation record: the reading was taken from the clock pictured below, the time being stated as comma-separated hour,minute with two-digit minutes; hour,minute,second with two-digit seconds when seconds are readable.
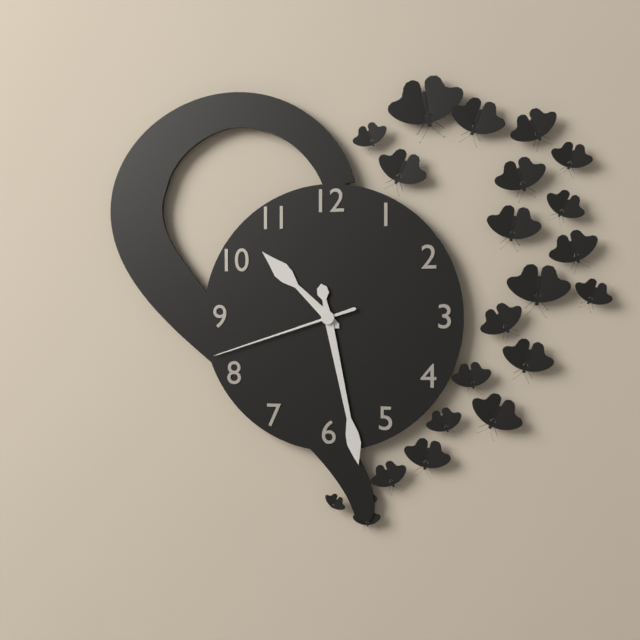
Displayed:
10,28,42
